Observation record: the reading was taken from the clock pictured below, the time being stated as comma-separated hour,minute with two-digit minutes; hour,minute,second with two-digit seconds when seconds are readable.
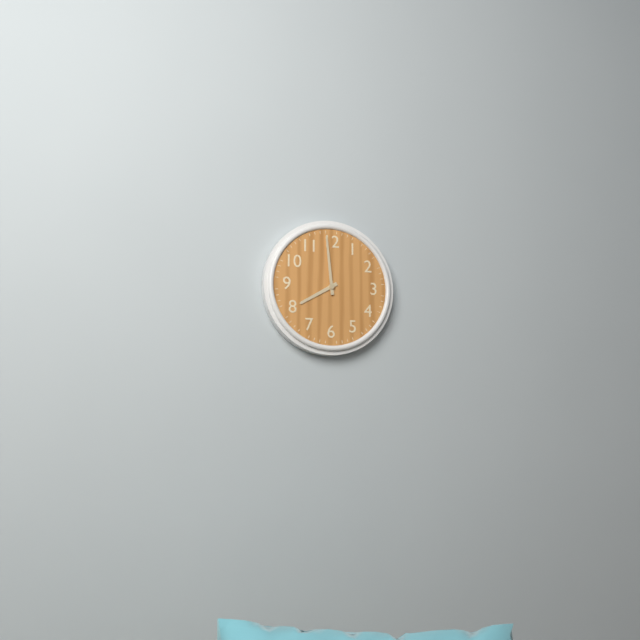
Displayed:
7,59
